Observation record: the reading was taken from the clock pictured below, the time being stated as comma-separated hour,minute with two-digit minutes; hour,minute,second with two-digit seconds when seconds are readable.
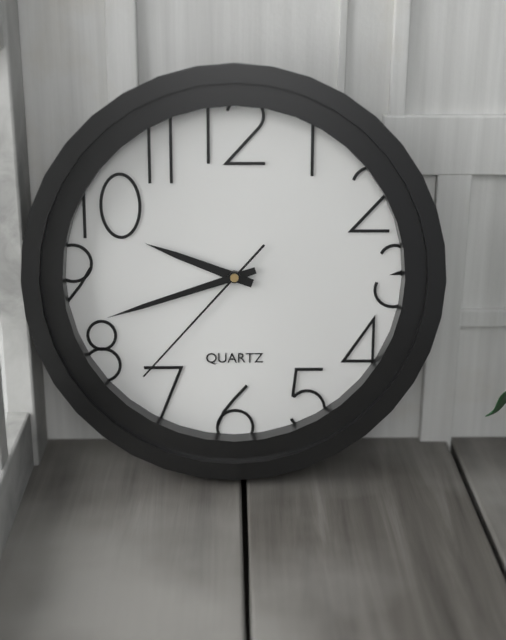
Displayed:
9,42,37
